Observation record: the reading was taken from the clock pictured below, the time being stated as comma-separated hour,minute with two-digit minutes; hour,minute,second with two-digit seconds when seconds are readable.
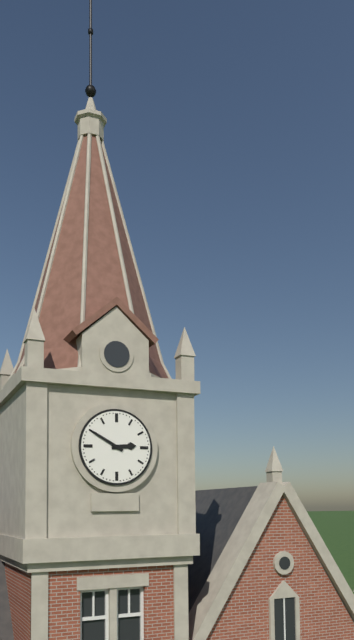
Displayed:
2,50
